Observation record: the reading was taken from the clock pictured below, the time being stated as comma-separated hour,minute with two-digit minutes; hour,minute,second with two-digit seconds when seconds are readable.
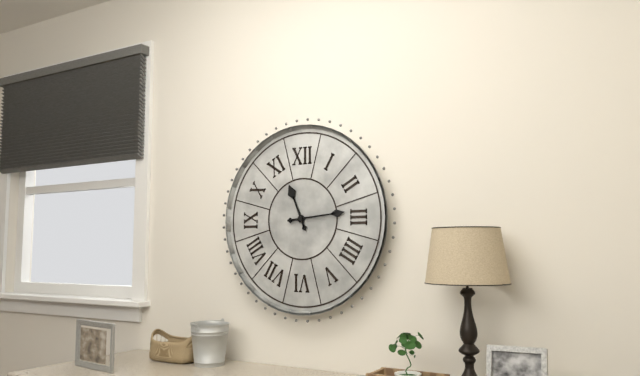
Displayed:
11,14
